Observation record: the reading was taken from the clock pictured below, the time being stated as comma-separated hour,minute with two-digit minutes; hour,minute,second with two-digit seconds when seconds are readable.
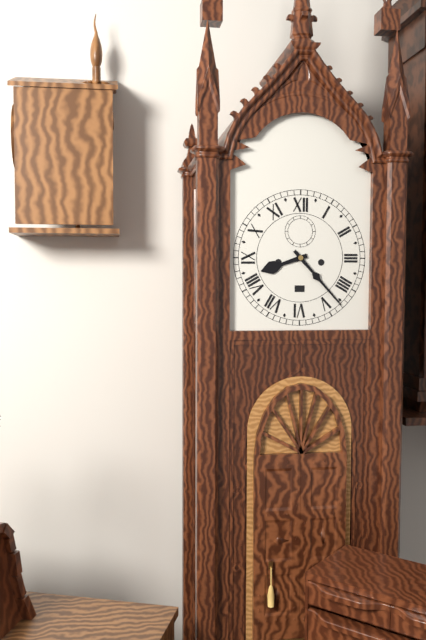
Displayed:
8,23
